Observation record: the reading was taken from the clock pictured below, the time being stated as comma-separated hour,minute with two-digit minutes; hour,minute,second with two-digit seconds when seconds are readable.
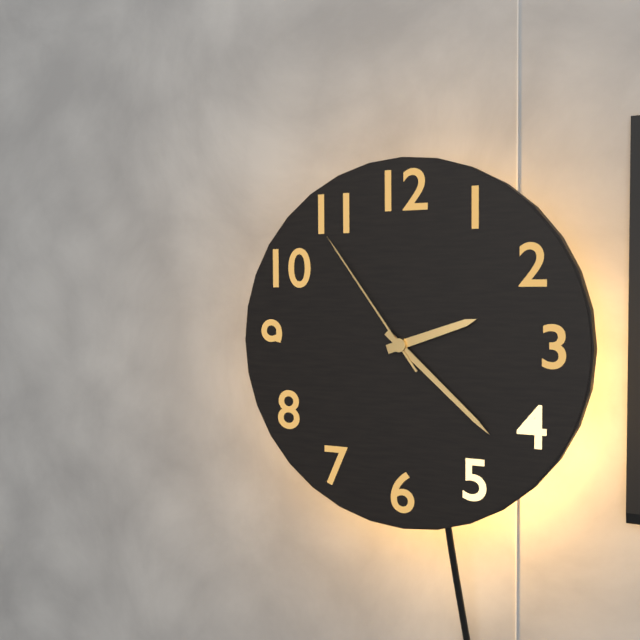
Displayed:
2,22,54
